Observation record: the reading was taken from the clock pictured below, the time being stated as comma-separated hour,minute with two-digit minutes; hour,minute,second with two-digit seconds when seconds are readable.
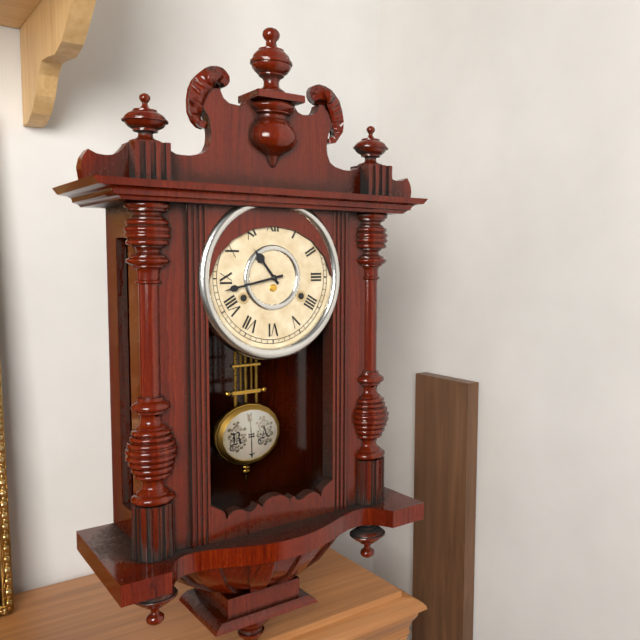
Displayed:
10,43
